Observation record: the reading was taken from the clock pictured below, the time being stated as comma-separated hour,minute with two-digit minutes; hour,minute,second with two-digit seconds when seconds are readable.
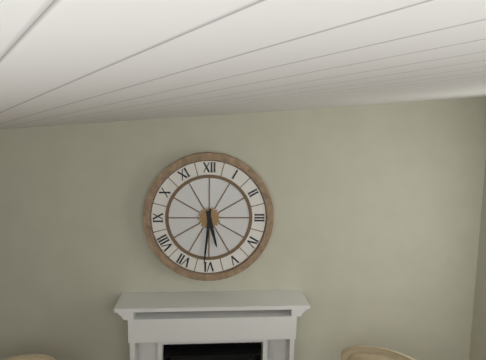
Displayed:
5,31
